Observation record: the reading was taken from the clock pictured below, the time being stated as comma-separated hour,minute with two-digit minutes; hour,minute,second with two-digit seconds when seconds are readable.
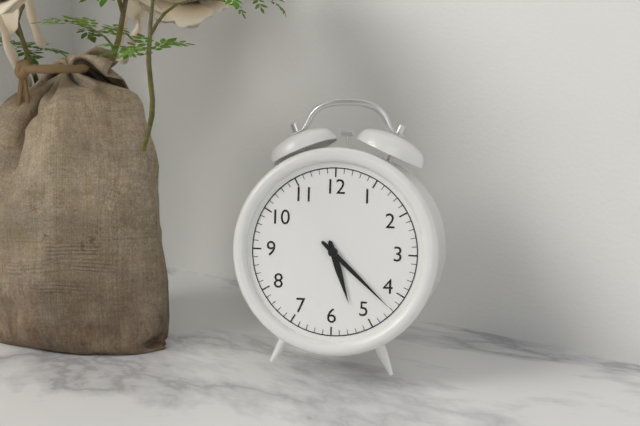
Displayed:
5,22
